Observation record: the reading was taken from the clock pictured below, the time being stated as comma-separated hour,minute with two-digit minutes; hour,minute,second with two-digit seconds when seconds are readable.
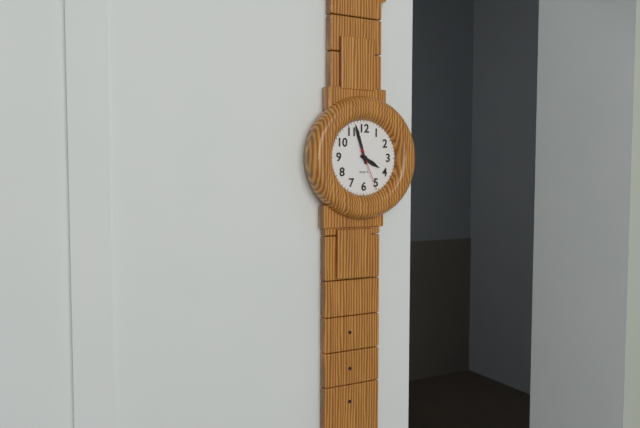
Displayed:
3,57
